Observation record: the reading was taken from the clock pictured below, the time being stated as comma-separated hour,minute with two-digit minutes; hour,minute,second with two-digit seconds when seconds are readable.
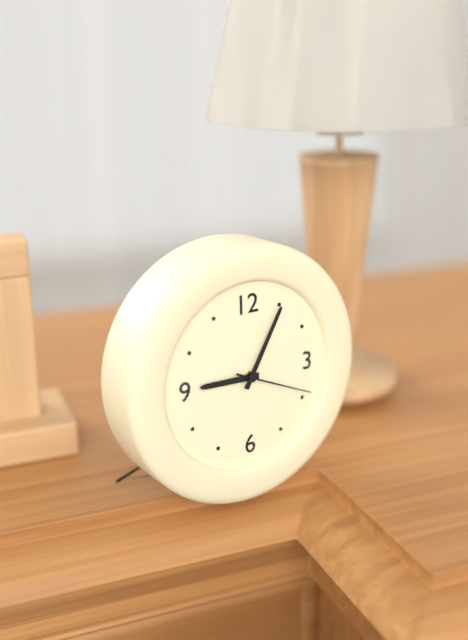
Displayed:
9,05,19
